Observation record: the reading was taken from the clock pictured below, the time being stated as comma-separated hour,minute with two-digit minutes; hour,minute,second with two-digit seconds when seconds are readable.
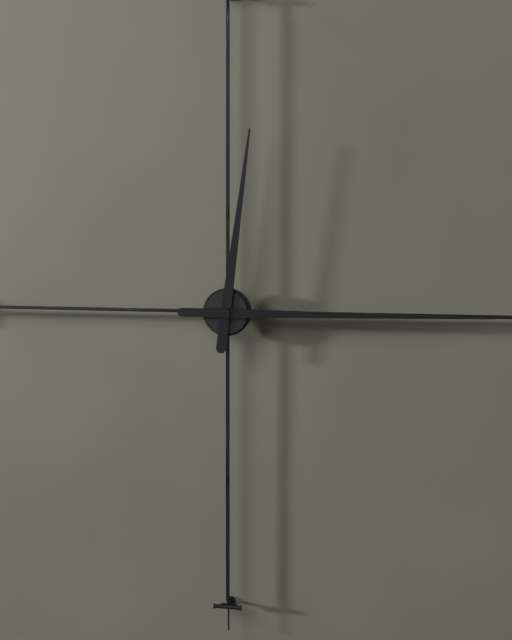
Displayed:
12,15
